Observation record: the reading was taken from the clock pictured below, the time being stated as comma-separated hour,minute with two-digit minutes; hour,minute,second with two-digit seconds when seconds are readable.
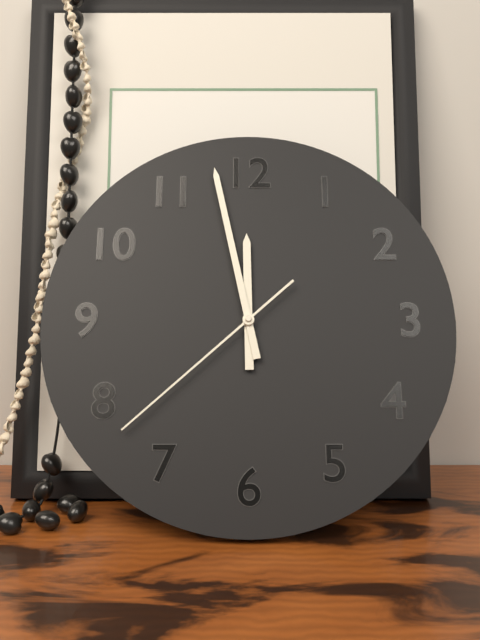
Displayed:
11,58,38
